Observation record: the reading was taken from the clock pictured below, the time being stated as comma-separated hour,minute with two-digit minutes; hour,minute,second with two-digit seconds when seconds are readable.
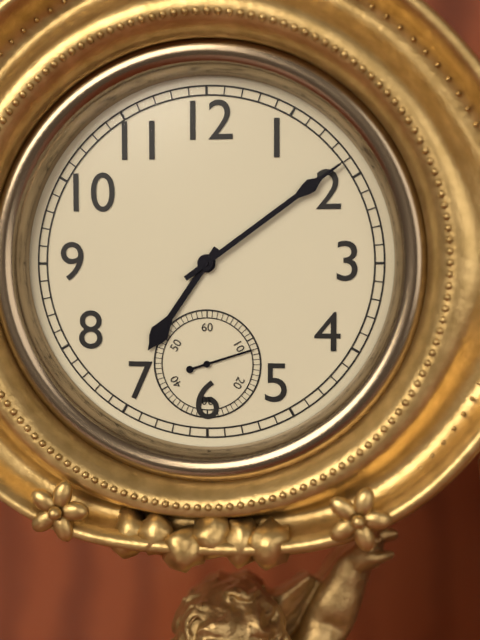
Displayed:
7,09,12
